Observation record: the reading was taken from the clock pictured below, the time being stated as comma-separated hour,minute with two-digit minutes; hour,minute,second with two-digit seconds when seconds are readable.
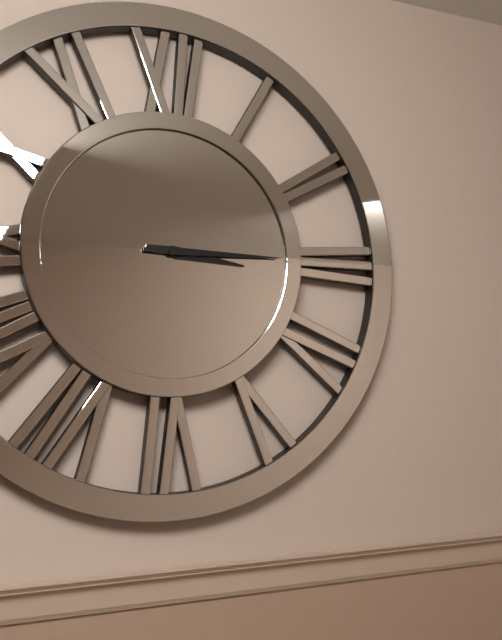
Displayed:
3,15
